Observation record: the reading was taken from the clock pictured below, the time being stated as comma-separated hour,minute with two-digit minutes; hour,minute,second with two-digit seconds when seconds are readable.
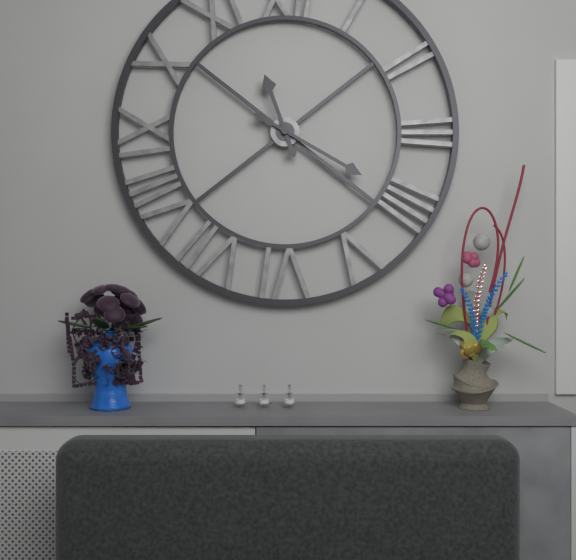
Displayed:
11,20
